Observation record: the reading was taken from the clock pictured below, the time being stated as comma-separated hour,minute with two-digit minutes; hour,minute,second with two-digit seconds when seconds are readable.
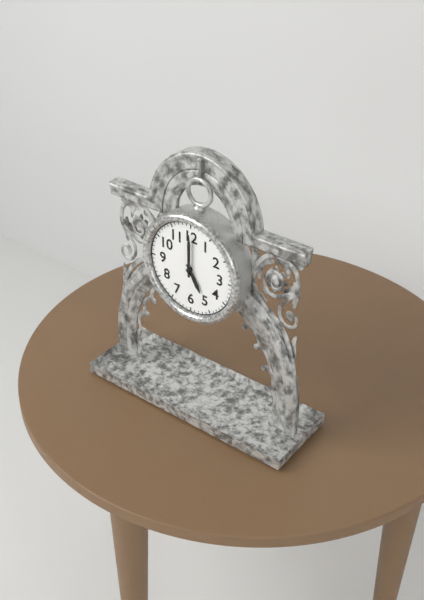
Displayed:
5,00
